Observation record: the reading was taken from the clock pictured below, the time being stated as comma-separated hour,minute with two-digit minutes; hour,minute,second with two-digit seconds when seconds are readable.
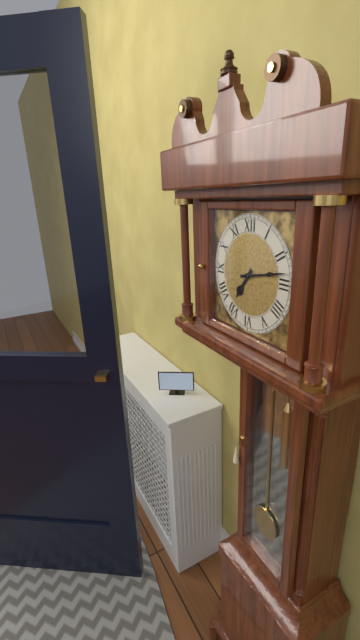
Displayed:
7,13
